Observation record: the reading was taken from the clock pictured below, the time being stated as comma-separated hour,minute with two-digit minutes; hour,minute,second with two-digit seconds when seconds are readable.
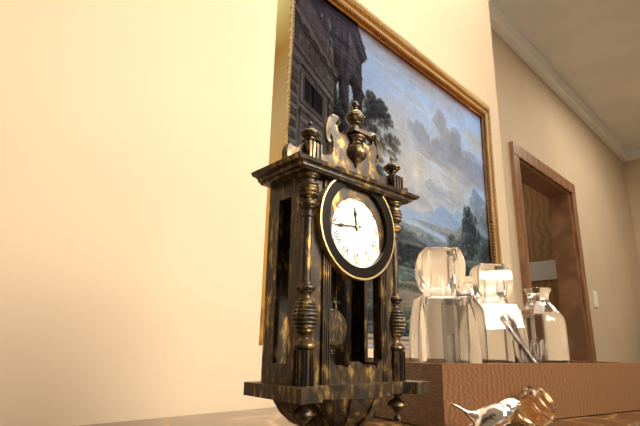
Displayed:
11,44
